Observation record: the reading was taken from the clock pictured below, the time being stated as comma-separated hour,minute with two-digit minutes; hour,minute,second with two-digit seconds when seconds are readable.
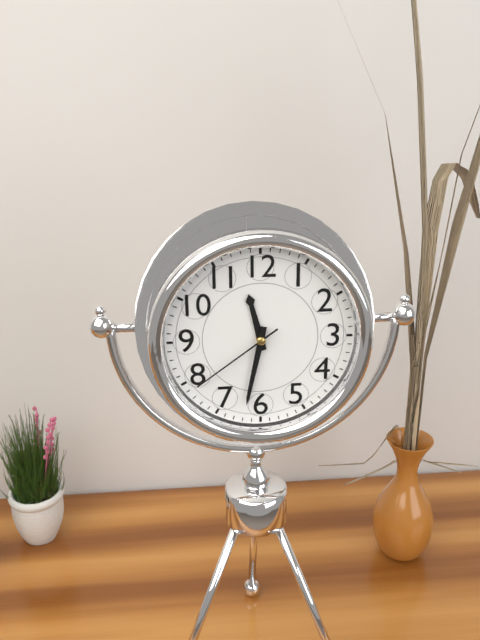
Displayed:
11,32,39
